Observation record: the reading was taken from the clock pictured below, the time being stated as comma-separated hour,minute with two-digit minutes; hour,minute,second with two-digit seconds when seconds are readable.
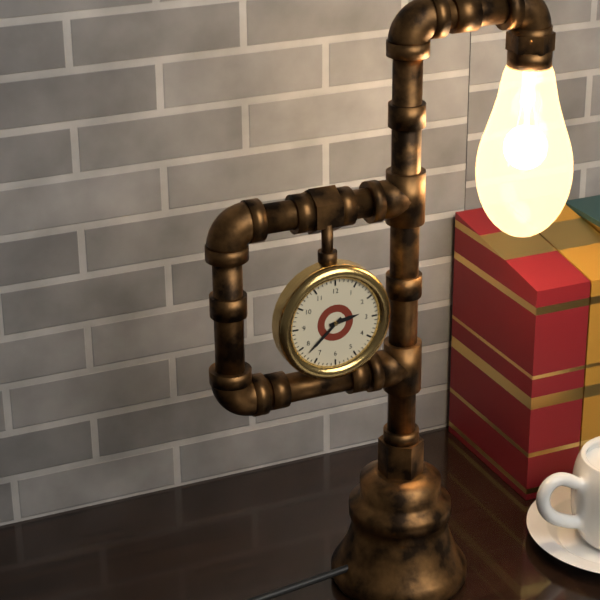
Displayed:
2,38
